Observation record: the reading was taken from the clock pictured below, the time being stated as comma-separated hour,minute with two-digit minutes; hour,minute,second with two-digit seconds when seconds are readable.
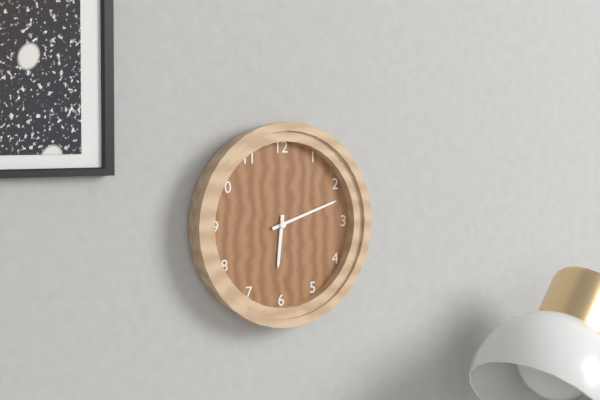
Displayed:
6,12
